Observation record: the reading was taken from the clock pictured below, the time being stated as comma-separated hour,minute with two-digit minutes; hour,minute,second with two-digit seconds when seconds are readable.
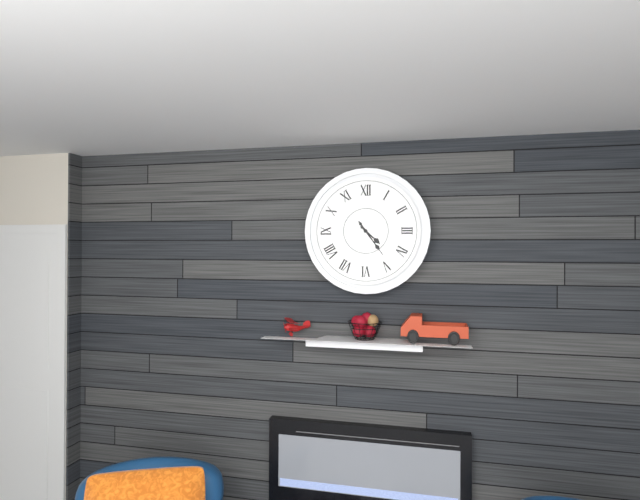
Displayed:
4,24
